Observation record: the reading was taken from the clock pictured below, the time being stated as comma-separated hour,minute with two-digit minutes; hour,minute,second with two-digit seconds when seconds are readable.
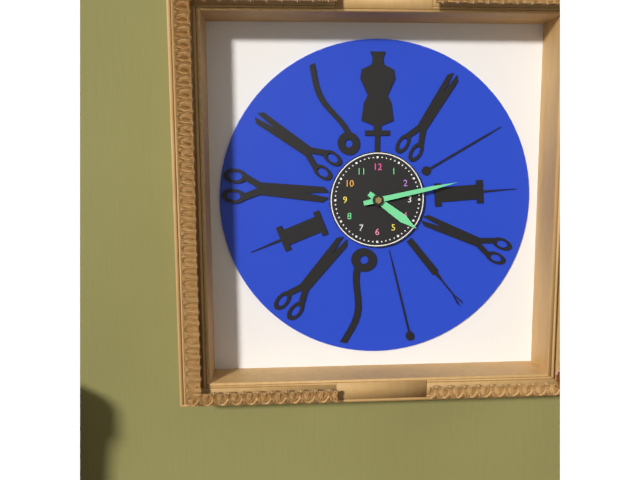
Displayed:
4,13
